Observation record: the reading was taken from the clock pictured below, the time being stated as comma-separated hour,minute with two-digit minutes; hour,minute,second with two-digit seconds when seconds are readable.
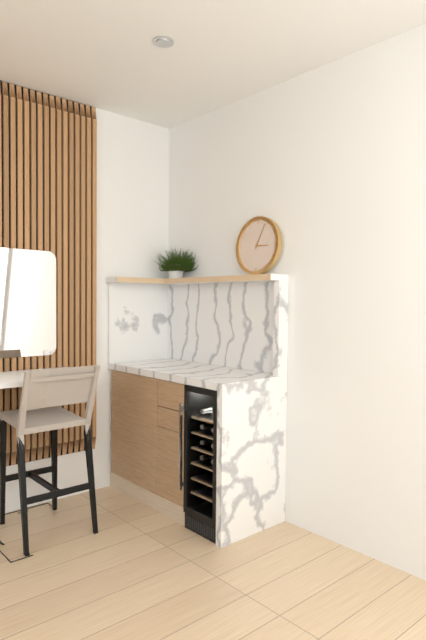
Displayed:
3,04
